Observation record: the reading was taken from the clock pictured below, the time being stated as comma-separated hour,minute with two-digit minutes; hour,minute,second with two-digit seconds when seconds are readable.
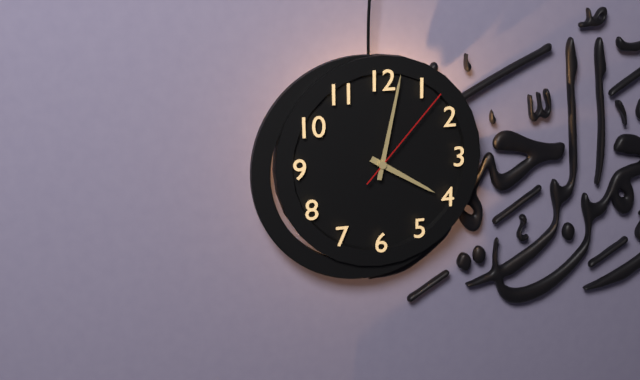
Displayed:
4,02,07
